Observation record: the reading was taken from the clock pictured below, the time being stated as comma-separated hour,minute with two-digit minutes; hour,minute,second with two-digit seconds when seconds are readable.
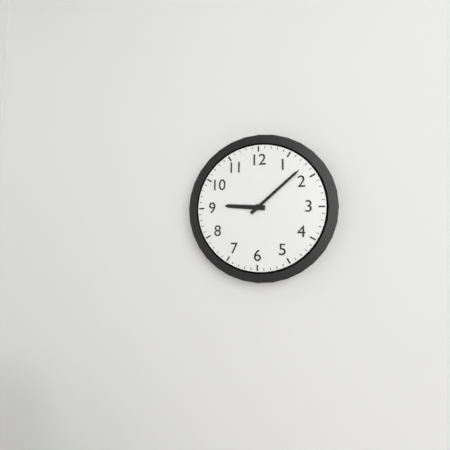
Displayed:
9,08
